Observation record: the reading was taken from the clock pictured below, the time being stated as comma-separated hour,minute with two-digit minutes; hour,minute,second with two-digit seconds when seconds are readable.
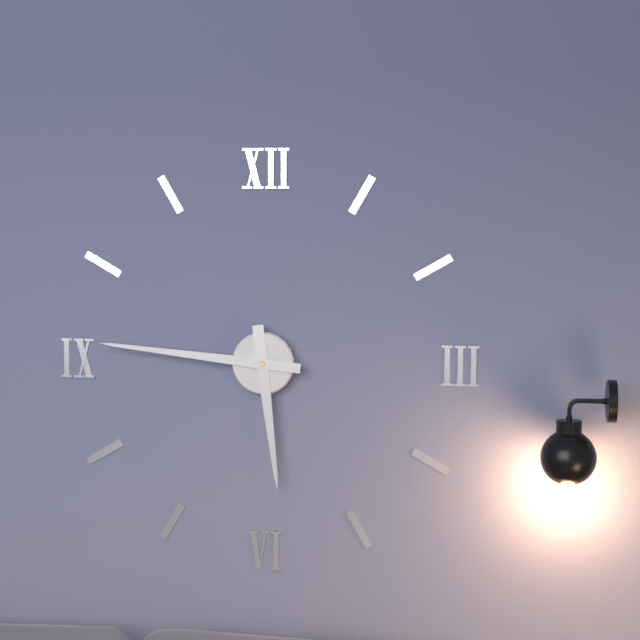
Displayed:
5,46
